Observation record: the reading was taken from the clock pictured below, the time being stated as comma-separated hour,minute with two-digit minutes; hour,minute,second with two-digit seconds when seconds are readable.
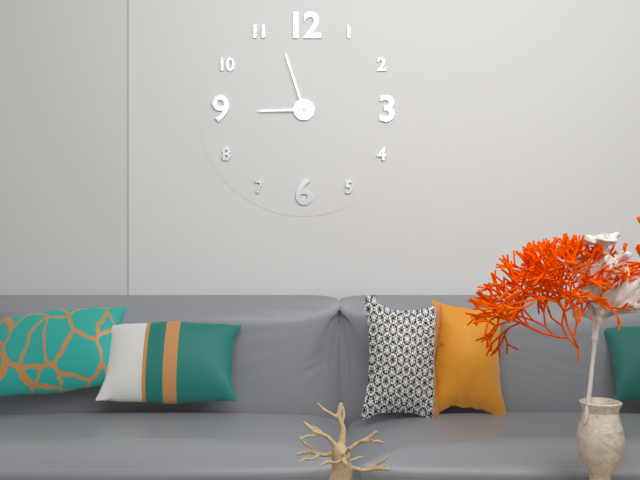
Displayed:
8,57
